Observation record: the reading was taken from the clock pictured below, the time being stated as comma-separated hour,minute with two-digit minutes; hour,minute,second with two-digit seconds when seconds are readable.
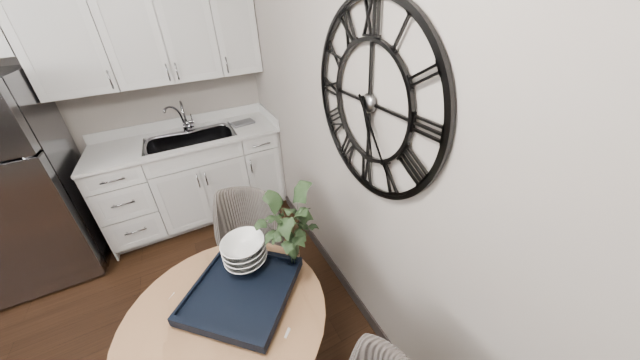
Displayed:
5,24
